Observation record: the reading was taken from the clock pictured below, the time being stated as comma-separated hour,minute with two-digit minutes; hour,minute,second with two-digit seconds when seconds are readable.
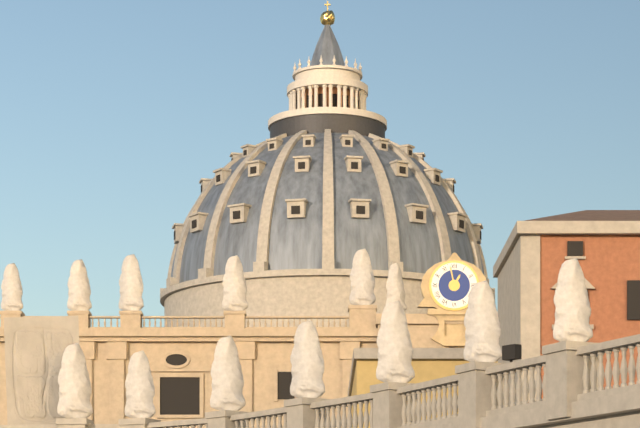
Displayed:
12,58
